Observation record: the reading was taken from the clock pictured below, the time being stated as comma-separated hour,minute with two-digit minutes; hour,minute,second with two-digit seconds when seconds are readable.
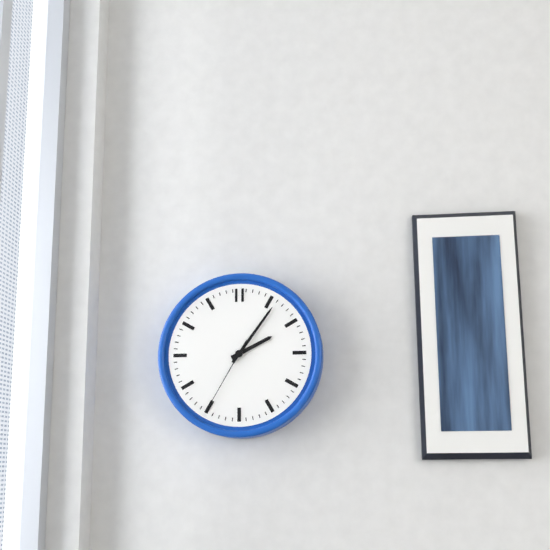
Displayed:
2,06,35
